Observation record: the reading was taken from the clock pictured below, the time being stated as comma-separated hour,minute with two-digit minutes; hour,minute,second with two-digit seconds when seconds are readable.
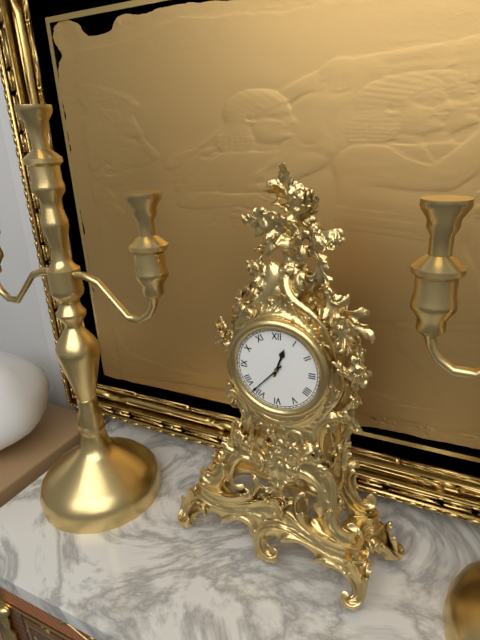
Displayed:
12,37
